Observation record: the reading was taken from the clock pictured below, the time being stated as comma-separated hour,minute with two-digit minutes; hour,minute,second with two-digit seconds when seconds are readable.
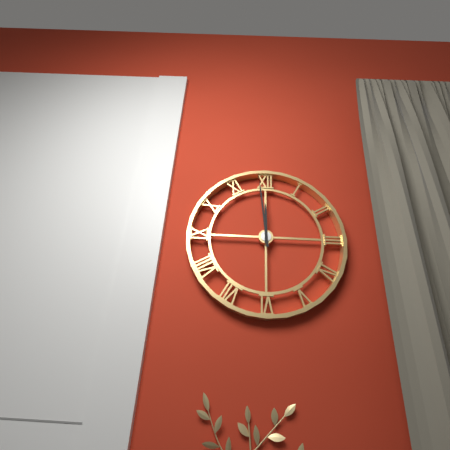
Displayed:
11,59
